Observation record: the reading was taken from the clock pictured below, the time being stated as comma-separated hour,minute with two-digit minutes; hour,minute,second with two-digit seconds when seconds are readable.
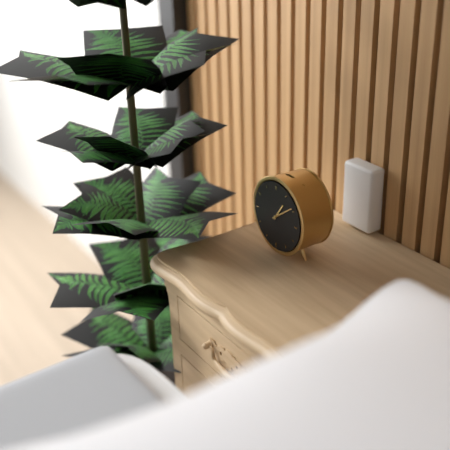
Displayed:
1,09
